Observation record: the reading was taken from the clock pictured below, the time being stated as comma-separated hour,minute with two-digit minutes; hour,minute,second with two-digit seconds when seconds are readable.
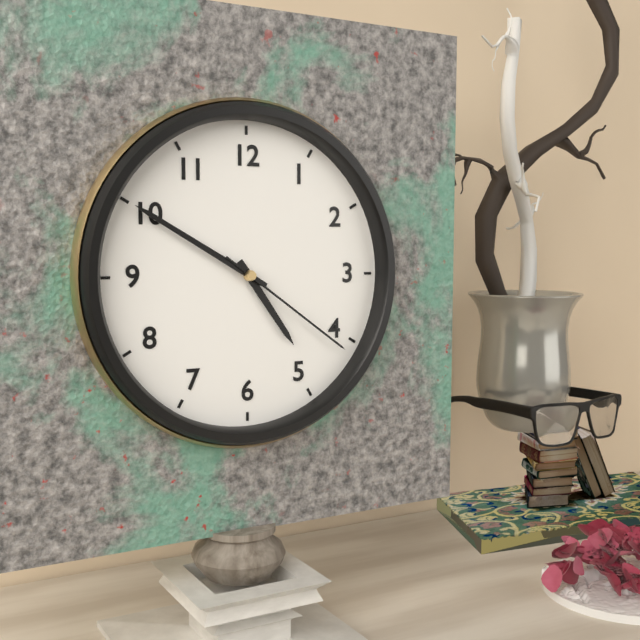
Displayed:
4,50,21
